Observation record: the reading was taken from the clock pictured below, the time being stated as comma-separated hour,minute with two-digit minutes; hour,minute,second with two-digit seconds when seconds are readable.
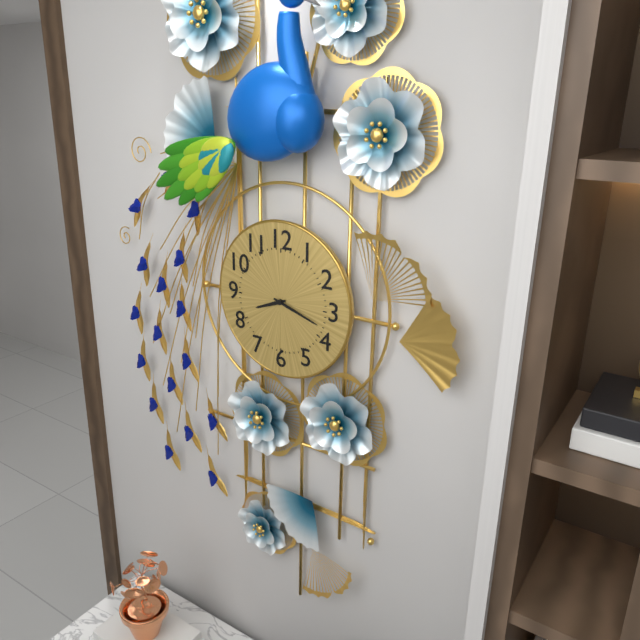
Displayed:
8,18
